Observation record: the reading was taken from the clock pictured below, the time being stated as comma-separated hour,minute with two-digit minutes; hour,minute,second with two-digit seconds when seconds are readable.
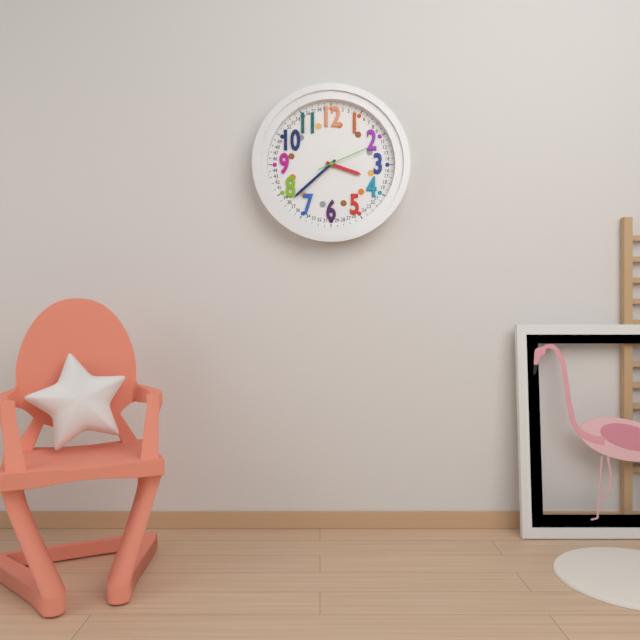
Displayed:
3,38,11
